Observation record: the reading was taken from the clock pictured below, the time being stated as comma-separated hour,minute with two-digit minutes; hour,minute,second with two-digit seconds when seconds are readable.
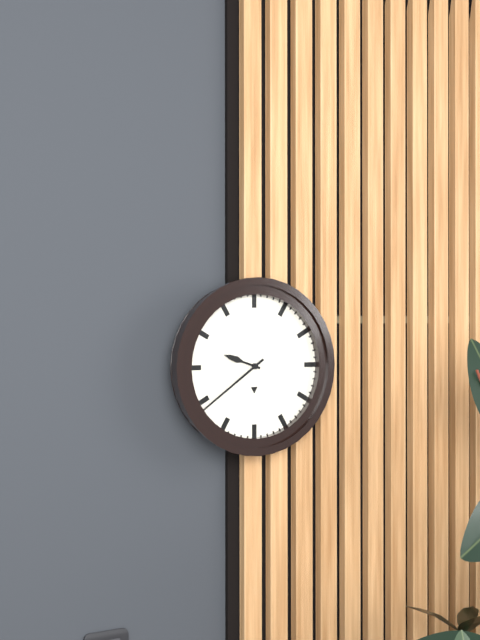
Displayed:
9,39
